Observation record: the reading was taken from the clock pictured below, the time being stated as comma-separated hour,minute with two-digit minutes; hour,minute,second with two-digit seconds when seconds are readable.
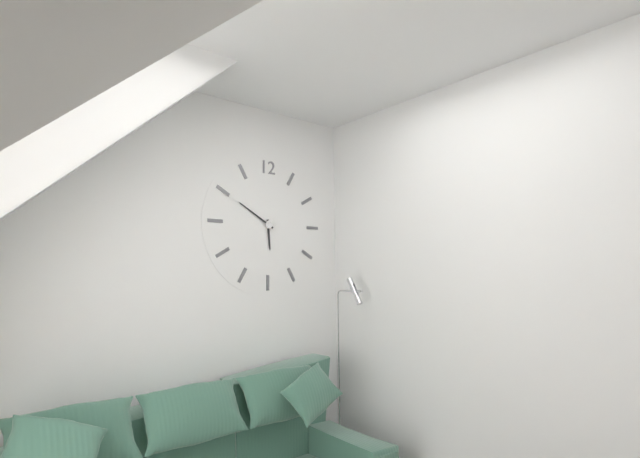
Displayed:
5,50
